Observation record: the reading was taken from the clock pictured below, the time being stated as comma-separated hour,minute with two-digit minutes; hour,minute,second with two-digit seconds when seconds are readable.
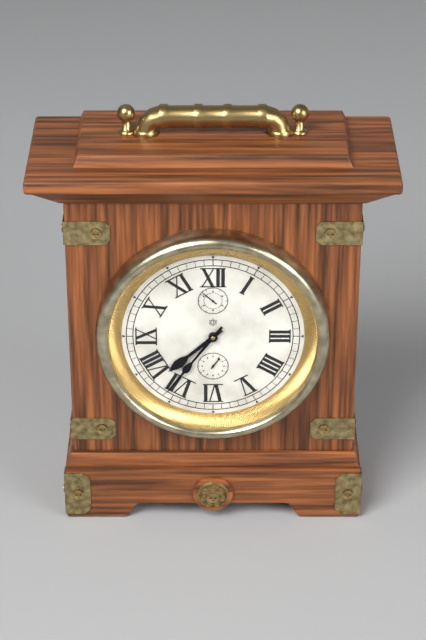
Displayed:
7,36
